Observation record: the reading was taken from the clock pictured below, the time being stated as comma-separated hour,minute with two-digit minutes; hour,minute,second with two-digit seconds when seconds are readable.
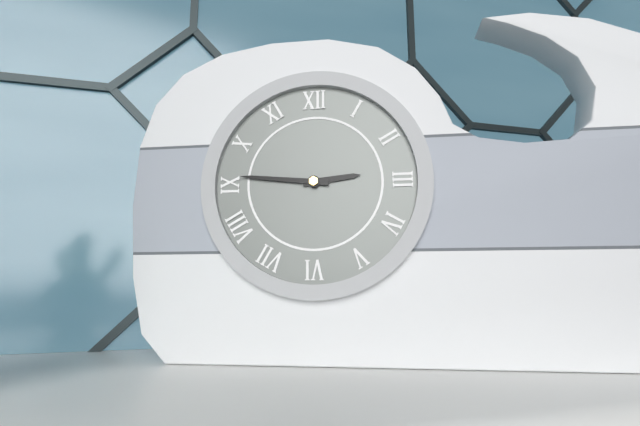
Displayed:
2,46
